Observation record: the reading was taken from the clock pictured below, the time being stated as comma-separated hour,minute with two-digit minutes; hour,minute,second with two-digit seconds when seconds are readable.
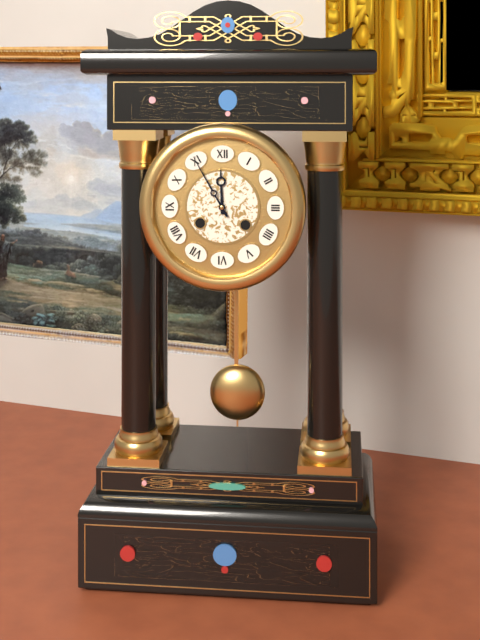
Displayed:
11,55
